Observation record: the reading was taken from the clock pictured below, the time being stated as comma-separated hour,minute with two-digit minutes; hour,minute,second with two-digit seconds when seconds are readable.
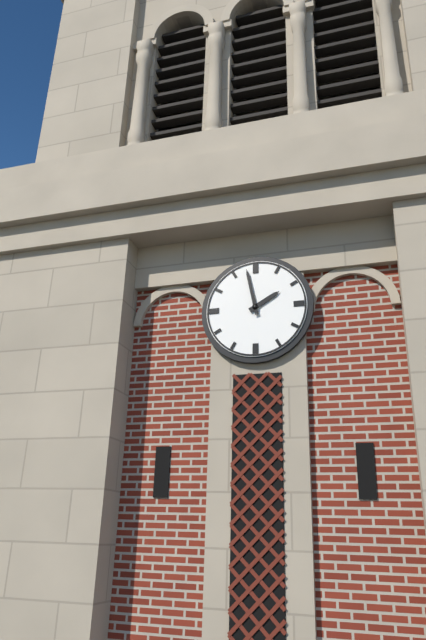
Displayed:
1,58
